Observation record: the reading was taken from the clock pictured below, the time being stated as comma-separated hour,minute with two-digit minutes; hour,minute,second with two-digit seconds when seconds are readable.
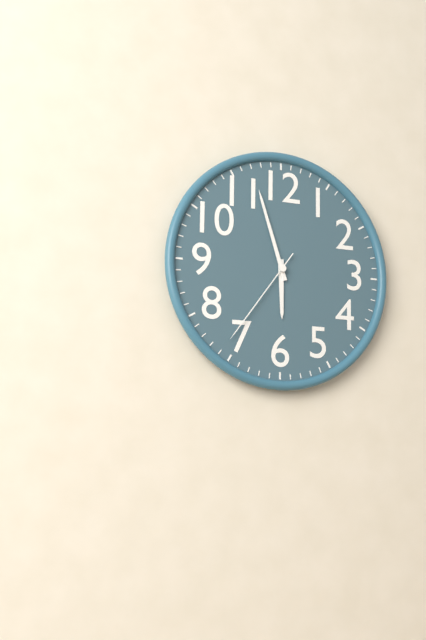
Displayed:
5,57,36
